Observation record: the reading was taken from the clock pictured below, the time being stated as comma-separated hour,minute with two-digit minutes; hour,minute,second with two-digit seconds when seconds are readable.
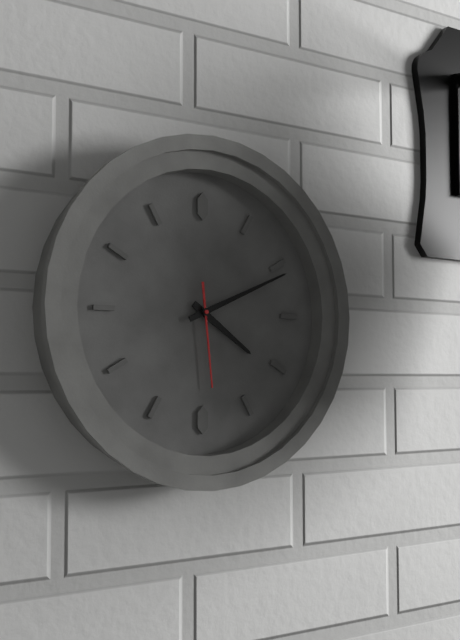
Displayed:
4,11,29
